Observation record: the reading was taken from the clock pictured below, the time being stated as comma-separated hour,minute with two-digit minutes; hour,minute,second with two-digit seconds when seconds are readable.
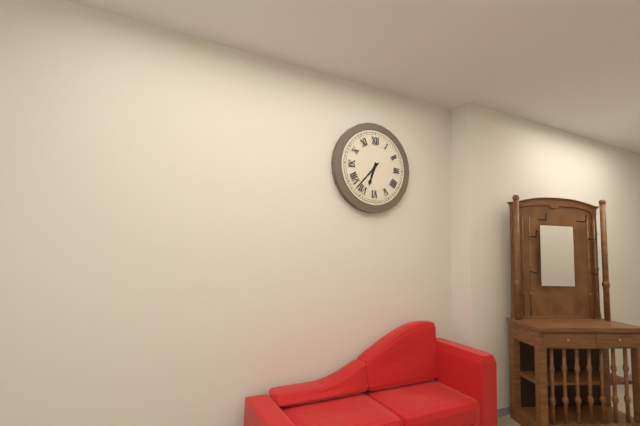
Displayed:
6,37
